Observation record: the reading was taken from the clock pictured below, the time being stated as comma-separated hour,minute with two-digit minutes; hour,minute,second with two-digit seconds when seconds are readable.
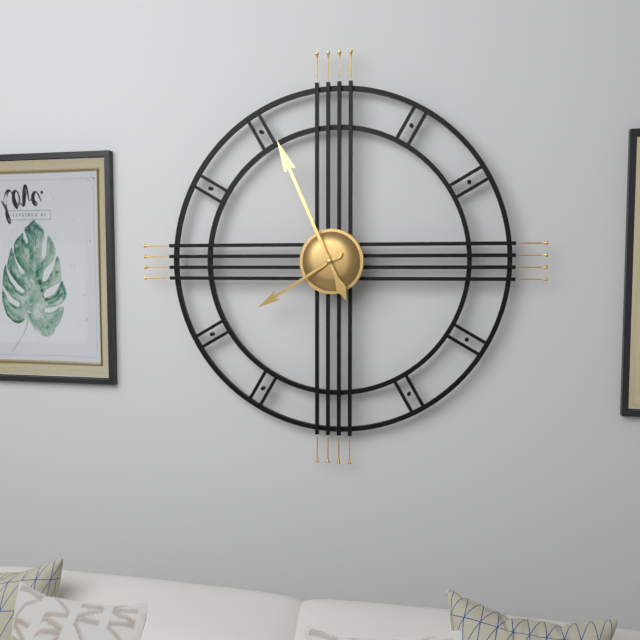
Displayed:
7,56
